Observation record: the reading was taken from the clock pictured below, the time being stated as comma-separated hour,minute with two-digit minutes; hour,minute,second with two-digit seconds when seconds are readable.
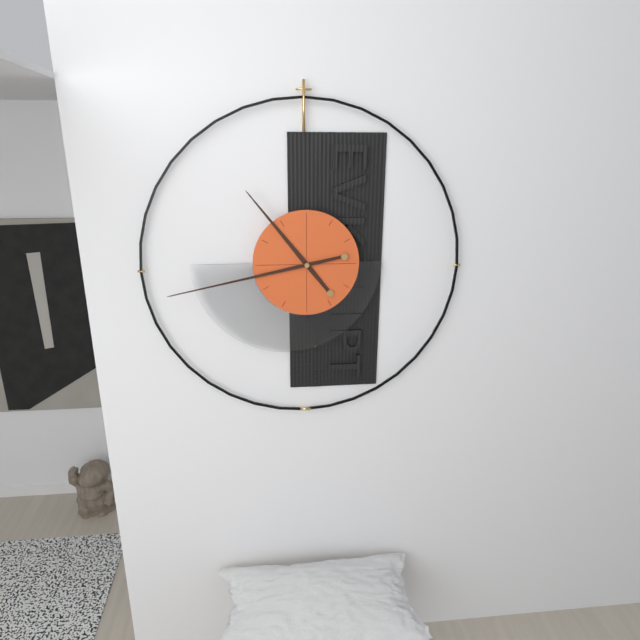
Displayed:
10,43
